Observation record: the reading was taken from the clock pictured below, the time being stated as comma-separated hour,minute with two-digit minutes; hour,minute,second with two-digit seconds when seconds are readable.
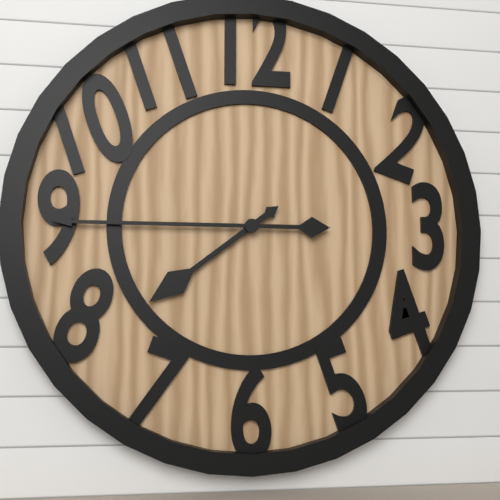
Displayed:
7,45
